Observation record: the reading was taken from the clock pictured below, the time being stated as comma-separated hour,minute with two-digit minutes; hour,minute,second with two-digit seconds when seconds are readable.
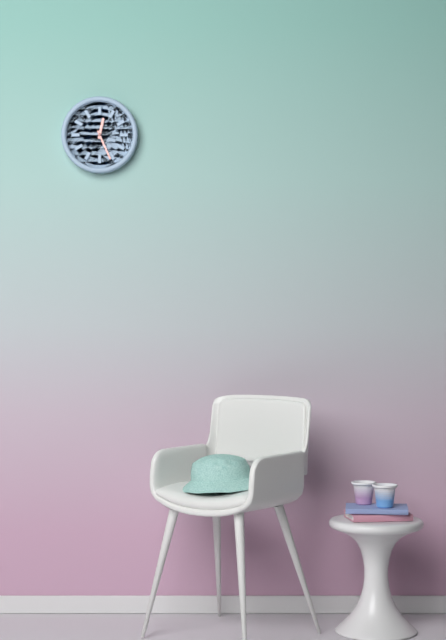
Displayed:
12,26
